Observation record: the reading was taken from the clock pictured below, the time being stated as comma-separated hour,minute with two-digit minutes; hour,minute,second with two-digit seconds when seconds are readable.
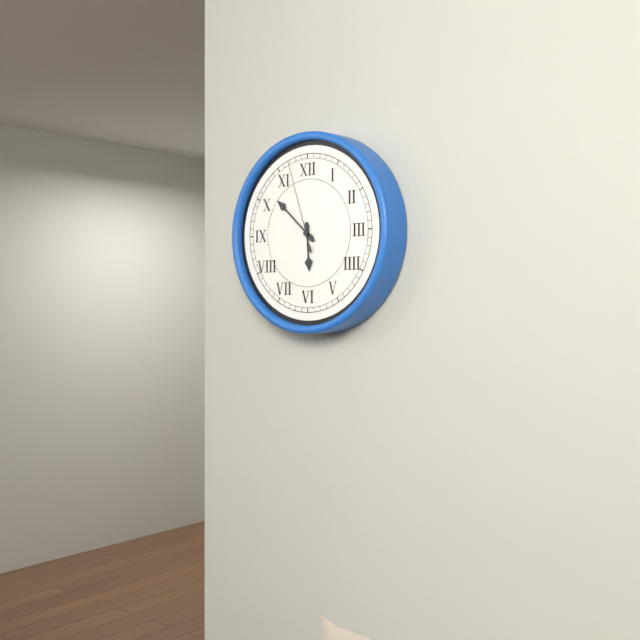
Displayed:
5,52,57
